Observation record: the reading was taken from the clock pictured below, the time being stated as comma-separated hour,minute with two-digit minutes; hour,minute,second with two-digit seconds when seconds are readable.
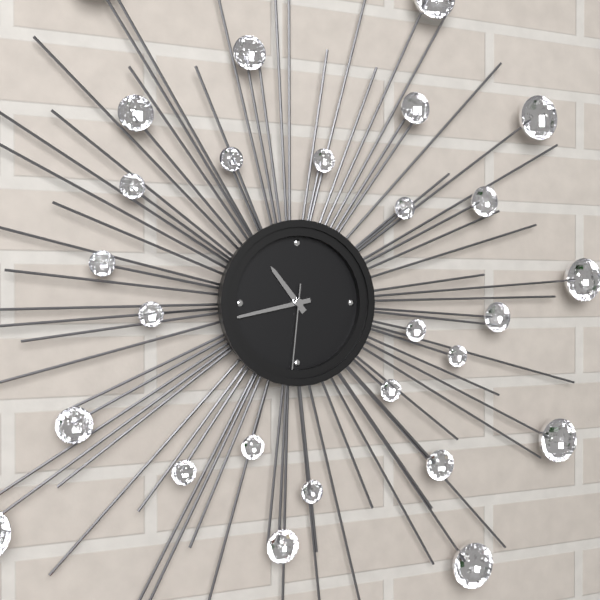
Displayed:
10,43,31
